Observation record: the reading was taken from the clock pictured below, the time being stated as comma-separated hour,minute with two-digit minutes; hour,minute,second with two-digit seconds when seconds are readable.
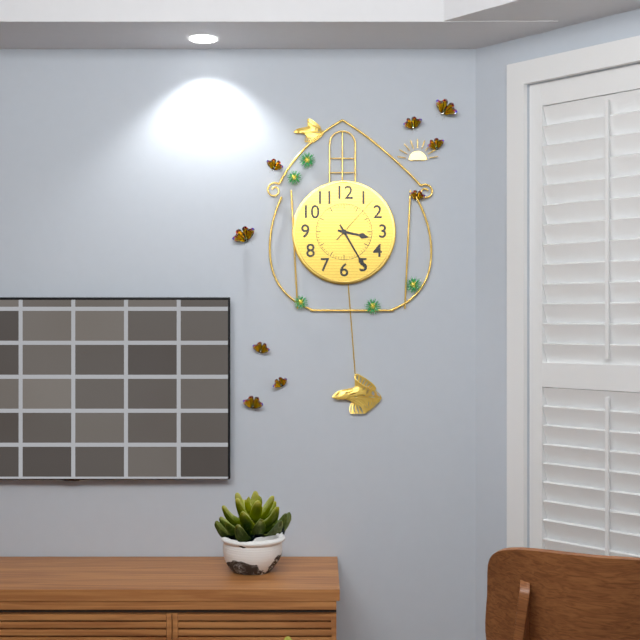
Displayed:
3,25,07
